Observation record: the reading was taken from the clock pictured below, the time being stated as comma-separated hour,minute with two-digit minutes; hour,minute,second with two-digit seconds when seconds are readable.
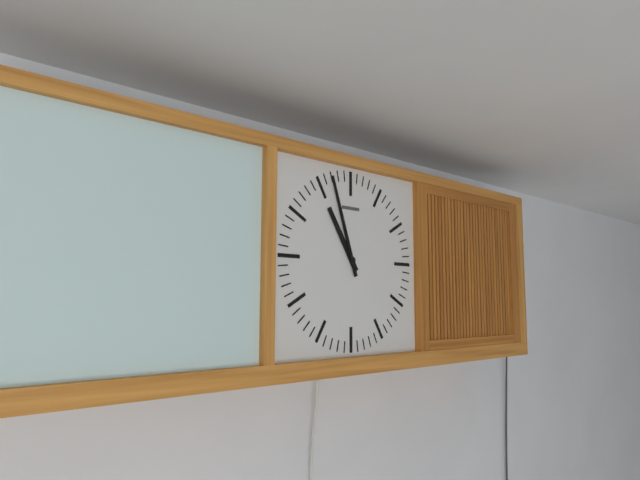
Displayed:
10,57
